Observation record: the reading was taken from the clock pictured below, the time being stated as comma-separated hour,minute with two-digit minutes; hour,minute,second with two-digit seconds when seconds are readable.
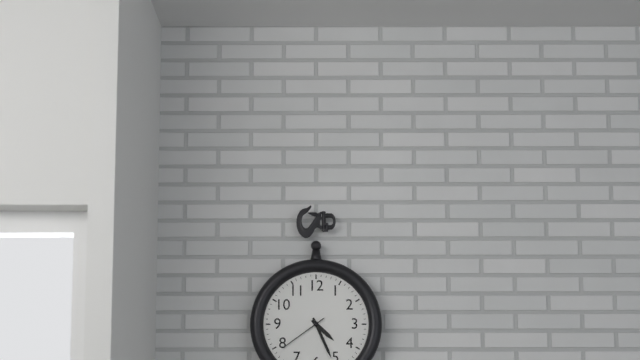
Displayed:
4,26,39
